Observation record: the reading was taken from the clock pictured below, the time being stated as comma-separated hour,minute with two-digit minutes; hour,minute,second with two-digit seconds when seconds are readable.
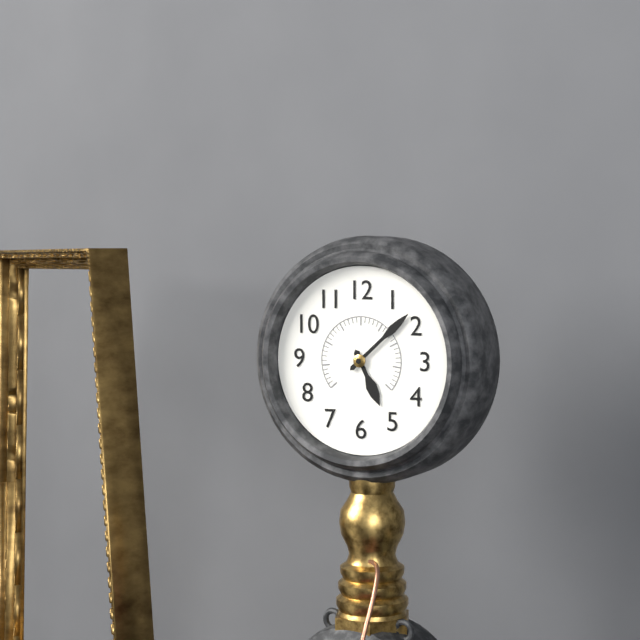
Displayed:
5,08
